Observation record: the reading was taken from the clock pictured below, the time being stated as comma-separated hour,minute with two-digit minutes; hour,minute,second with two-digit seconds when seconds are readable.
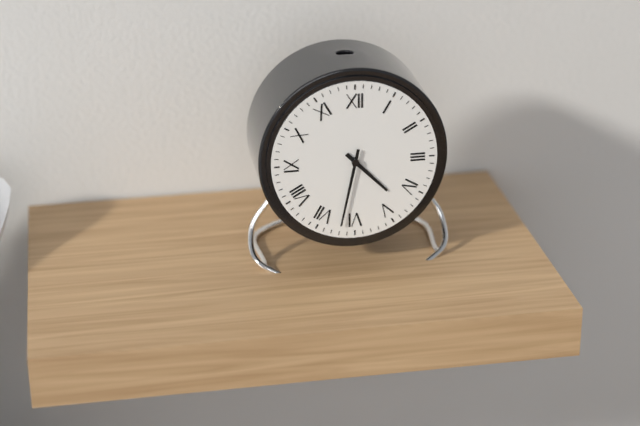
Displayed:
4,32
